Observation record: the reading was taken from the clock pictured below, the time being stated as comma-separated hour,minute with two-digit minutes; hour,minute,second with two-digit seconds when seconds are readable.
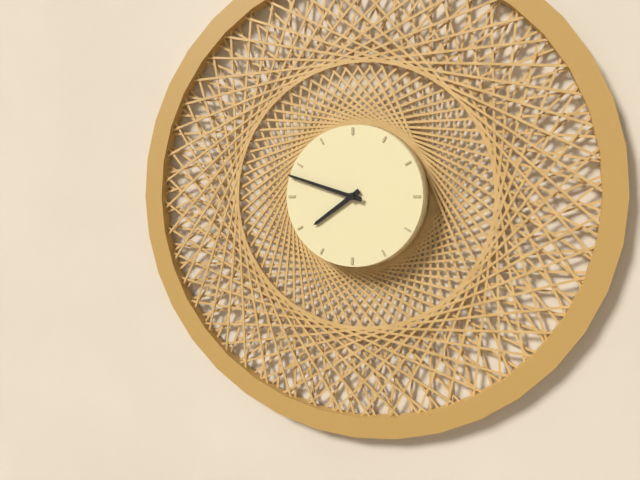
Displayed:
7,48
